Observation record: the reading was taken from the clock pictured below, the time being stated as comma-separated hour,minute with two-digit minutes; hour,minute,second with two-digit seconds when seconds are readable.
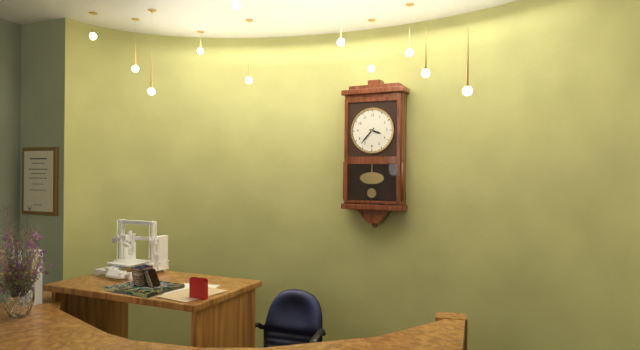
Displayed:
3,37
